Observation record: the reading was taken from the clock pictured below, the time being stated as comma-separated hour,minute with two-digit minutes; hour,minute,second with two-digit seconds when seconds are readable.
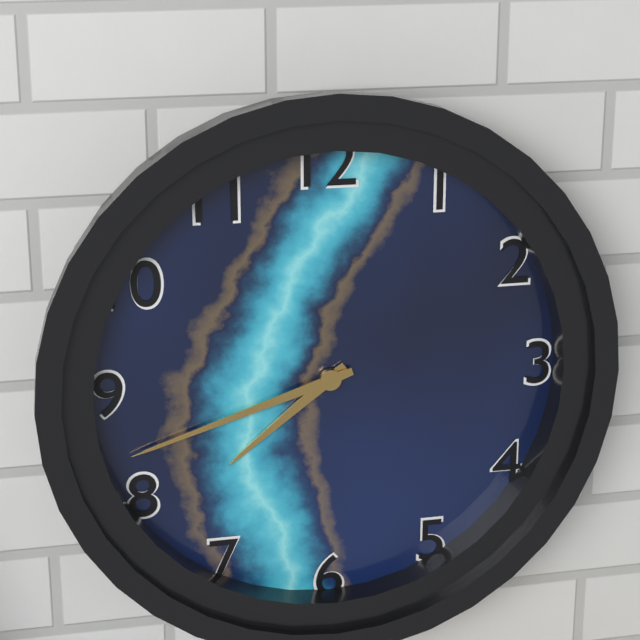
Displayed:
7,42
